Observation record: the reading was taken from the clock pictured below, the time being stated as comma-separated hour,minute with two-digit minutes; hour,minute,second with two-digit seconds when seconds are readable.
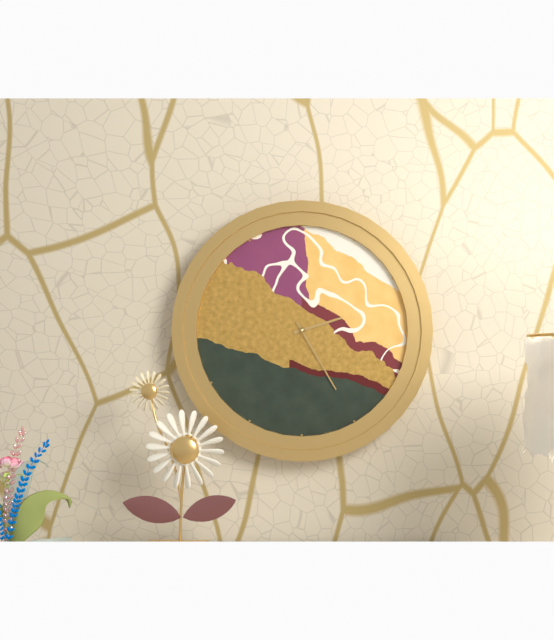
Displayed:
2,25
